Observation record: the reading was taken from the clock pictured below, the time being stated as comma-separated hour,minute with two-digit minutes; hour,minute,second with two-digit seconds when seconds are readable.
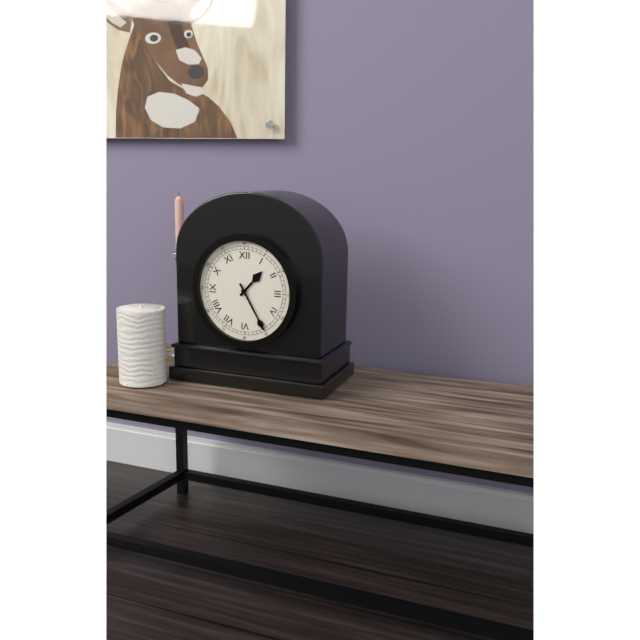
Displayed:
1,25
